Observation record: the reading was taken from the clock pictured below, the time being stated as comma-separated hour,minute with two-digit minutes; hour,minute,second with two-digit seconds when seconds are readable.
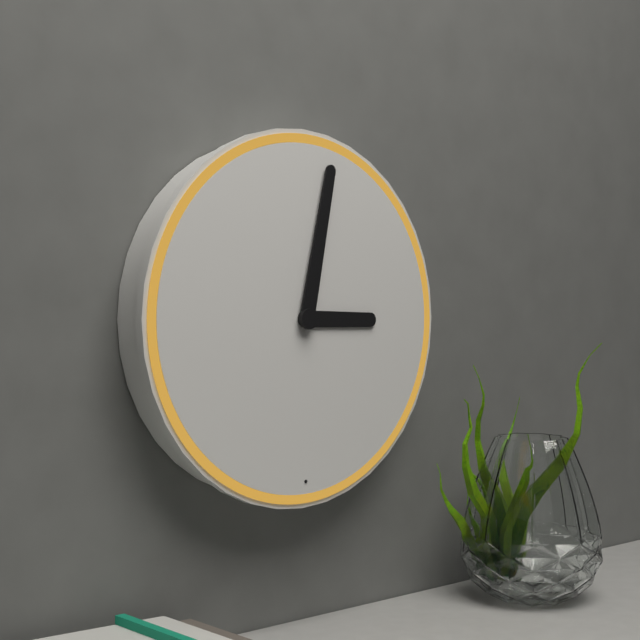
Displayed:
3,02
